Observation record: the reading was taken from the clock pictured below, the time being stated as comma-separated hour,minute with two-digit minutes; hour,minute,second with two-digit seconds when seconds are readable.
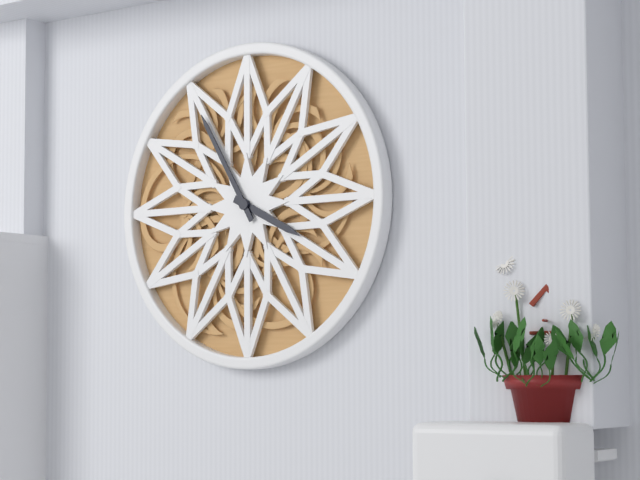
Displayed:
3,55
